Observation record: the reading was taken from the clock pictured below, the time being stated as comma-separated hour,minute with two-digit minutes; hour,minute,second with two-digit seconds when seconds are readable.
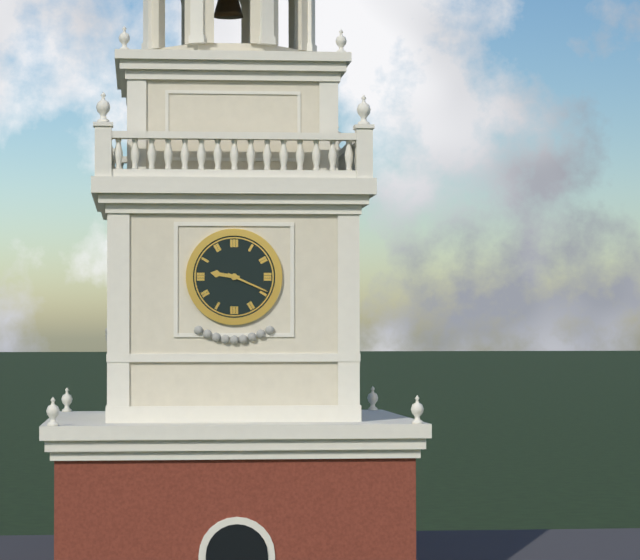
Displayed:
9,19
